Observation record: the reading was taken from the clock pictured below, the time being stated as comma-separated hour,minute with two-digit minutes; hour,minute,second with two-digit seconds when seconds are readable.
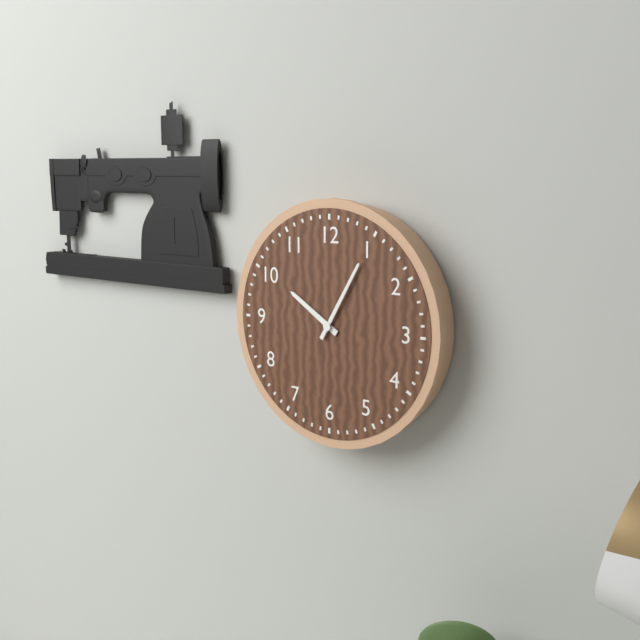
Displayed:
10,05
